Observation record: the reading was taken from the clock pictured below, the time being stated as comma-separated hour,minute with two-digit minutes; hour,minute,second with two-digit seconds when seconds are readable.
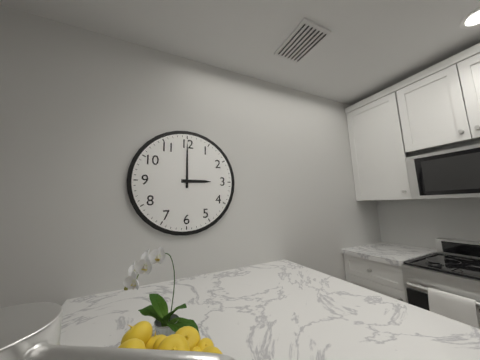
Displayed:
3,00
